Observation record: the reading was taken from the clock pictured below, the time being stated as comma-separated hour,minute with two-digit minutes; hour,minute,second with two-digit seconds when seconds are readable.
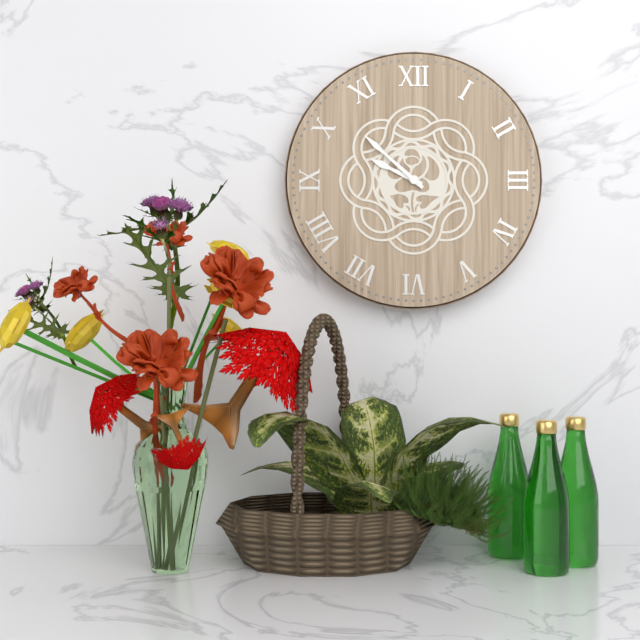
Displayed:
9,52
